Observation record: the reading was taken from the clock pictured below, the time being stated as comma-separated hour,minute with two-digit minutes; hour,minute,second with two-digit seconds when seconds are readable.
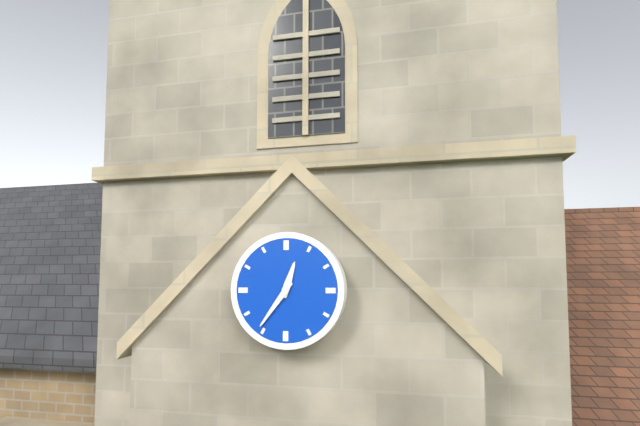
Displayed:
12,36
